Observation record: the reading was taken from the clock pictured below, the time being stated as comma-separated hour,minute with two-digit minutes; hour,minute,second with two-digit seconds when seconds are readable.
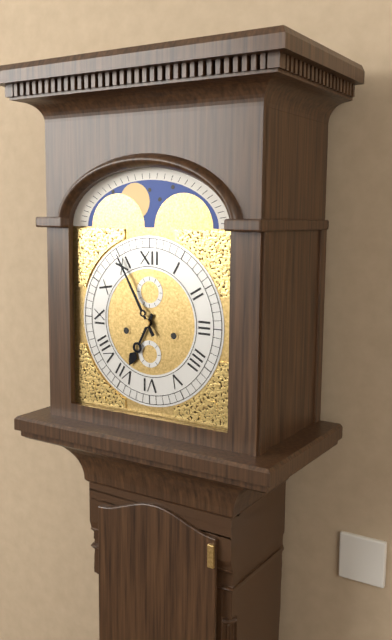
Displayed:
6,55
